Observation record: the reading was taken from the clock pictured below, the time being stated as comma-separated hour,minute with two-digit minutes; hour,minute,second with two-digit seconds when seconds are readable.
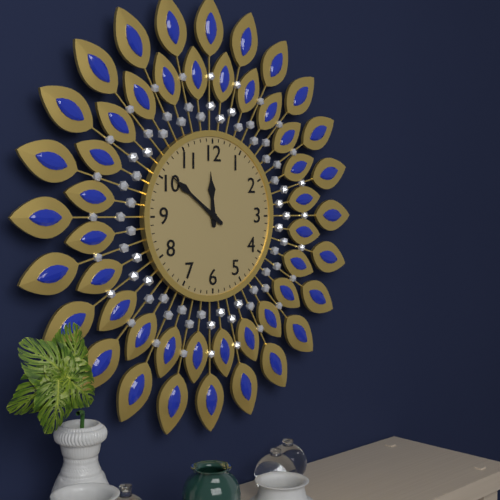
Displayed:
11,51
